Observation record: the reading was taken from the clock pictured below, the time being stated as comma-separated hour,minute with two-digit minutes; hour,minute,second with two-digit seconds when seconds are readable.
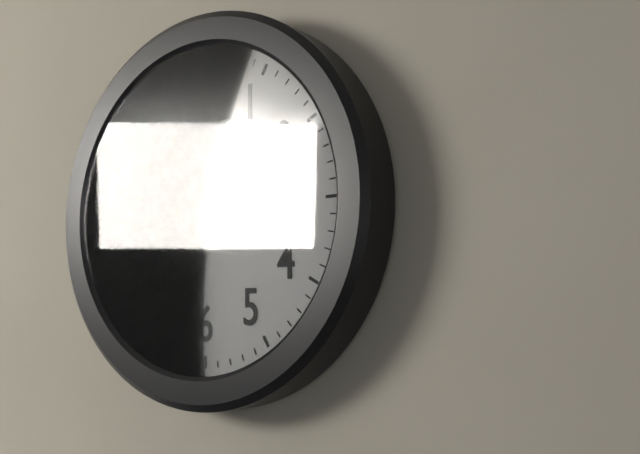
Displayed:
2,49
